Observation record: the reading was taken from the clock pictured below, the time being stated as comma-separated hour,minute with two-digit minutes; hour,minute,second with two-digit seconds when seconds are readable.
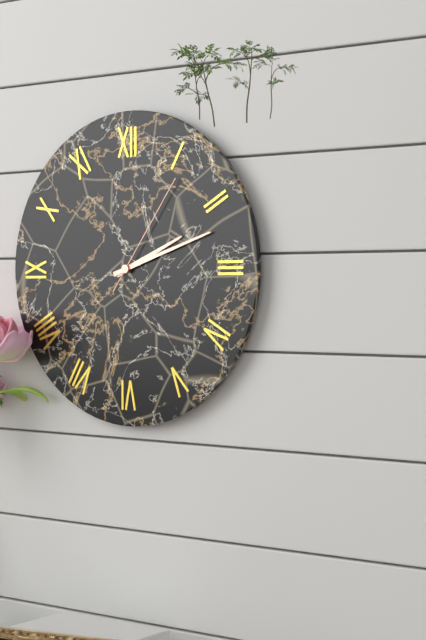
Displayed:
2,12,06
